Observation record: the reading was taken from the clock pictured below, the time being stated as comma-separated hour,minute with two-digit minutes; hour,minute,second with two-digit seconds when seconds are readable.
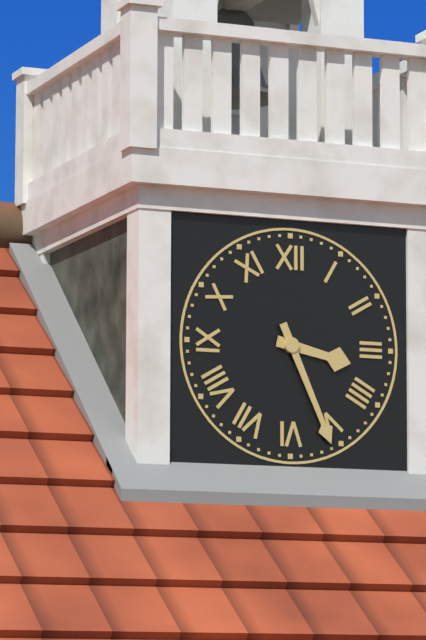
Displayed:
3,26
